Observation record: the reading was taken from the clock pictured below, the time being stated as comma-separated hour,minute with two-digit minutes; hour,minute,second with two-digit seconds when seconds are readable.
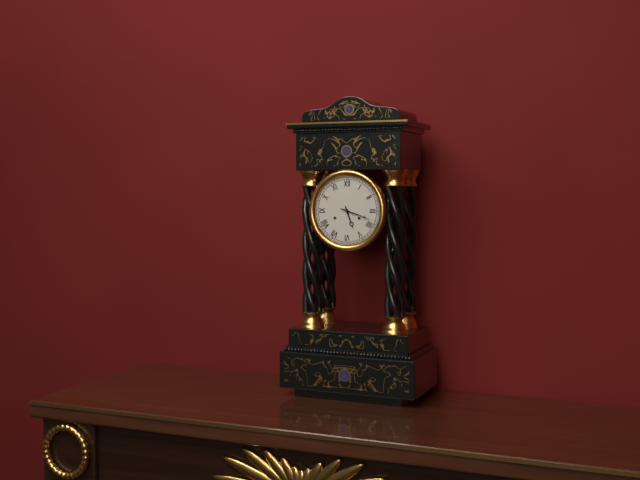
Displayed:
5,18
